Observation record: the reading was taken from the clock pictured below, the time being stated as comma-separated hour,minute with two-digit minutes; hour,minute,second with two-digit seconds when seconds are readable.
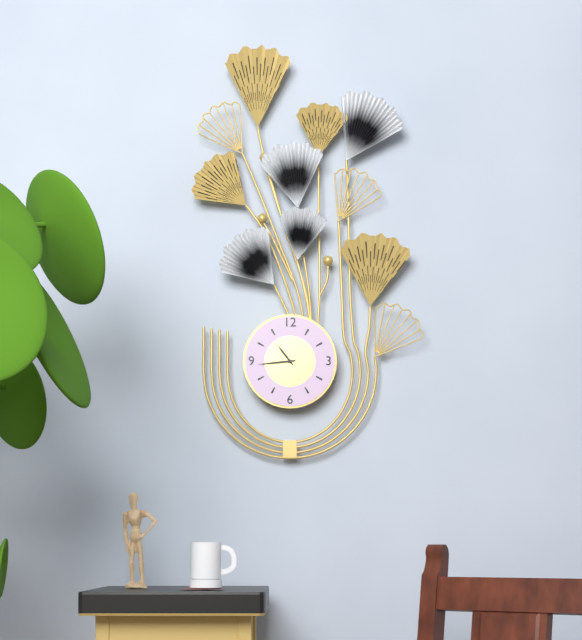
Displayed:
10,44
